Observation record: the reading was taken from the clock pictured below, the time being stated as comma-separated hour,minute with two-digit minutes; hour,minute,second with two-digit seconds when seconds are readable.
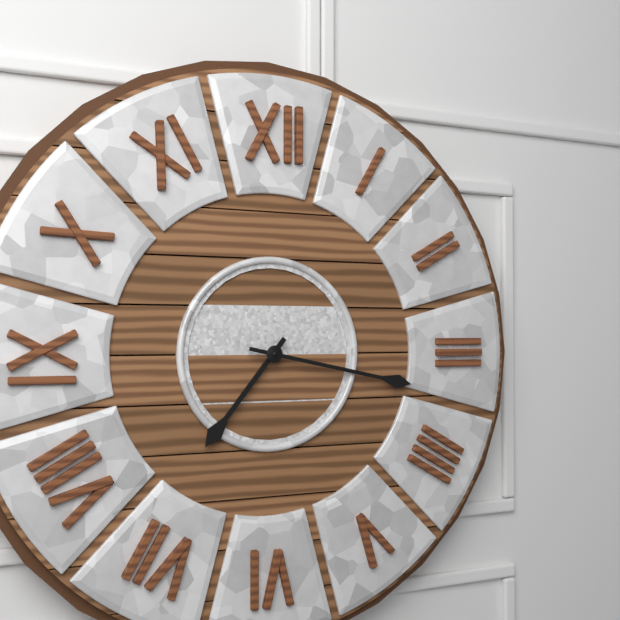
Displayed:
7,17
